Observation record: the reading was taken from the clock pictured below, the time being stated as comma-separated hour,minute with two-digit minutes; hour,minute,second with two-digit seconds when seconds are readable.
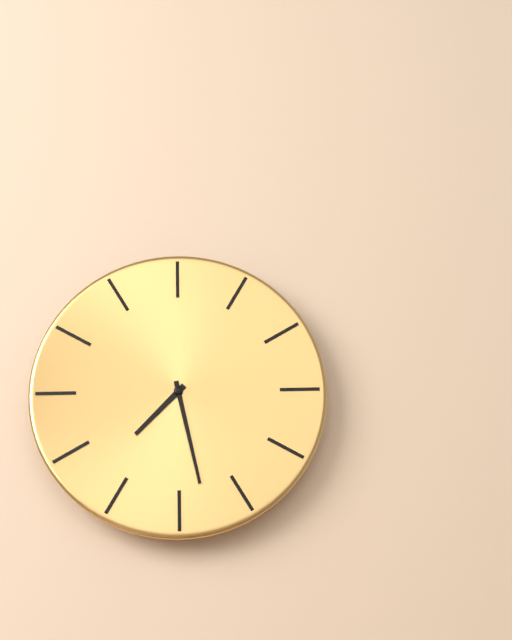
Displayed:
7,28
